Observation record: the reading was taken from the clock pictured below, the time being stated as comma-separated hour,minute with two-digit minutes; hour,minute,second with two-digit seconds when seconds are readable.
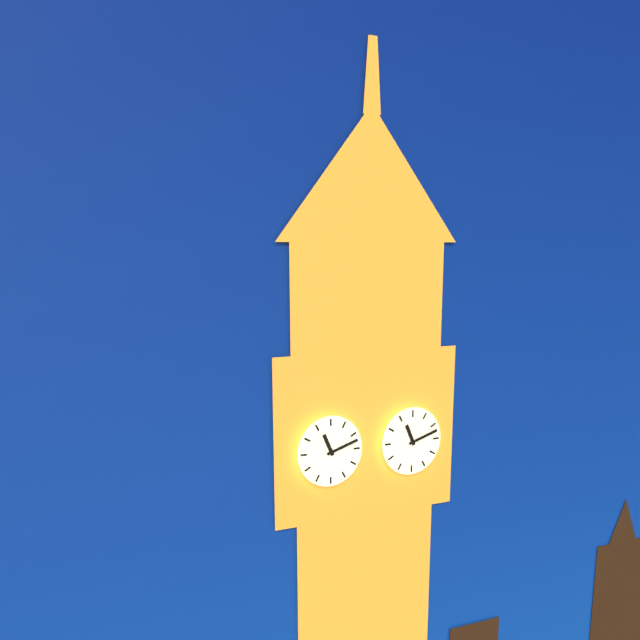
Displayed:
11,12
